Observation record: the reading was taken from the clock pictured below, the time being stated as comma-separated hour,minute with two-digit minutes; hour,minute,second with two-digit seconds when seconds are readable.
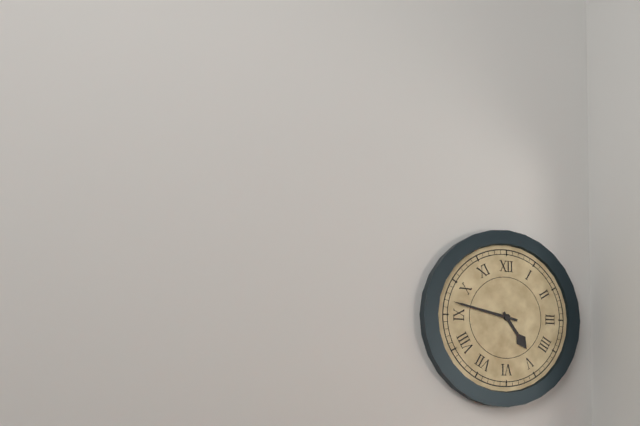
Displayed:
4,47
